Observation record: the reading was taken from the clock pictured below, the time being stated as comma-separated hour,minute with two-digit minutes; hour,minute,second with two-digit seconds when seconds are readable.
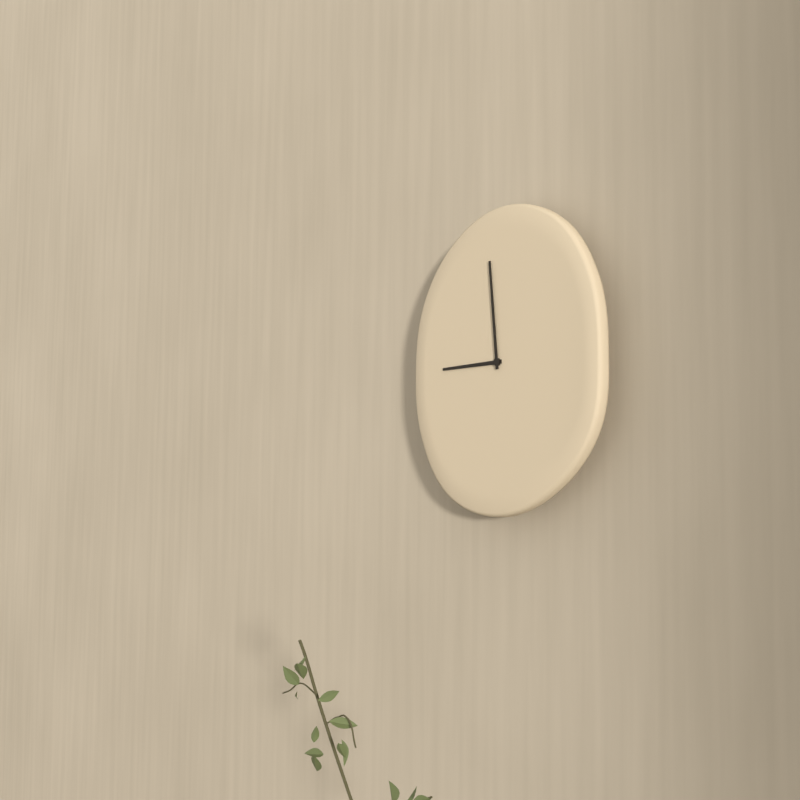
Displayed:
8,59
